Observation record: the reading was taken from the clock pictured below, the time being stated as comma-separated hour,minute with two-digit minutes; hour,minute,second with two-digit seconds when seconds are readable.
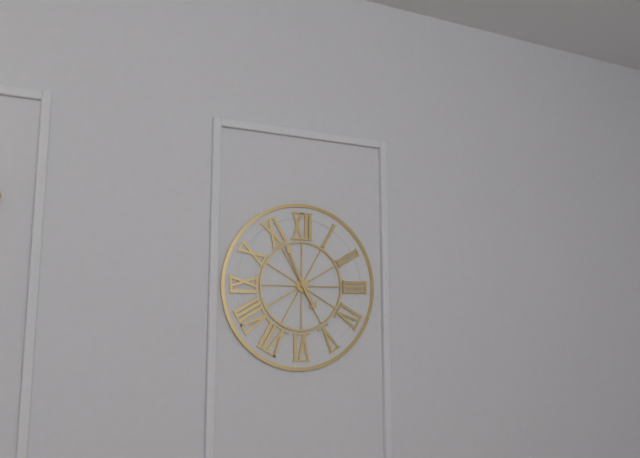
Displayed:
4,56
